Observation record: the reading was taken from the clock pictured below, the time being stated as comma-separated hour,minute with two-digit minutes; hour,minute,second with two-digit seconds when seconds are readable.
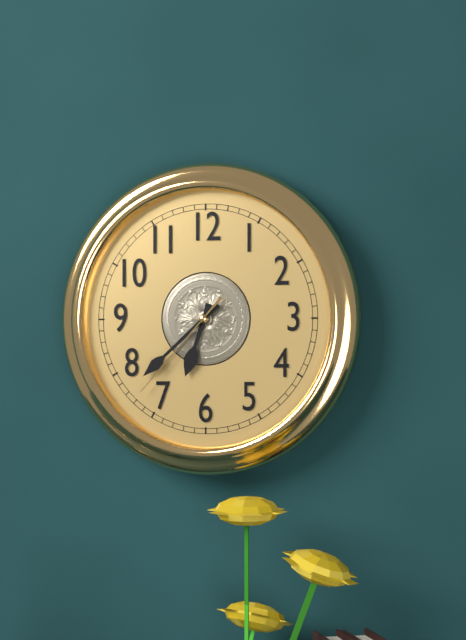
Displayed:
6,38,37
